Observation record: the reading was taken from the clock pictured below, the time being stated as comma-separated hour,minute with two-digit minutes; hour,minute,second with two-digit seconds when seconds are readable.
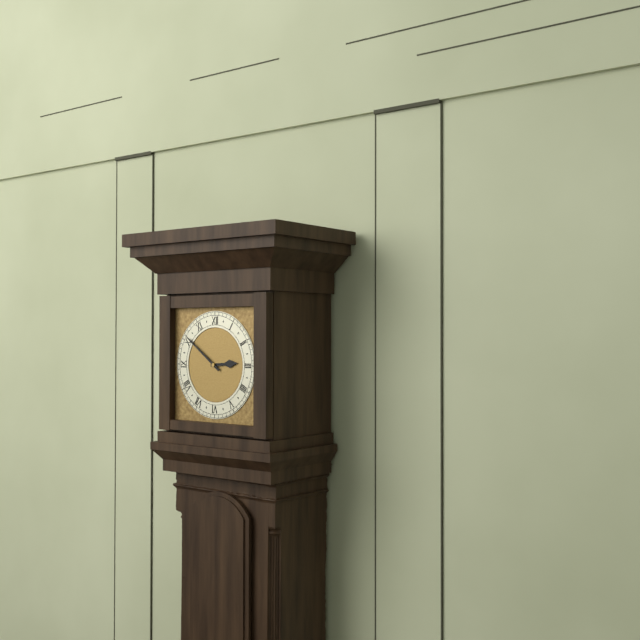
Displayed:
2,51
